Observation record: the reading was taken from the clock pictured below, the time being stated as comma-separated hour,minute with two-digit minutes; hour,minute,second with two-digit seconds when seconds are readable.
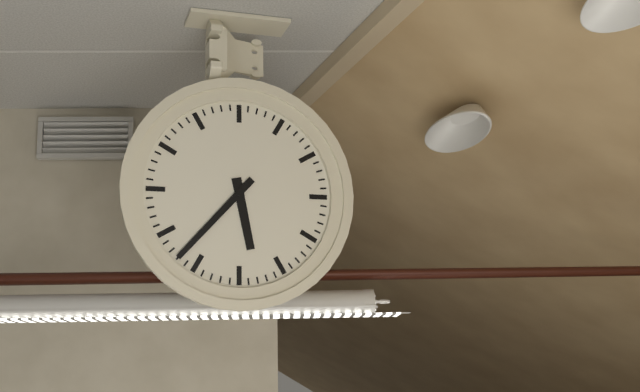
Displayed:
5,37
